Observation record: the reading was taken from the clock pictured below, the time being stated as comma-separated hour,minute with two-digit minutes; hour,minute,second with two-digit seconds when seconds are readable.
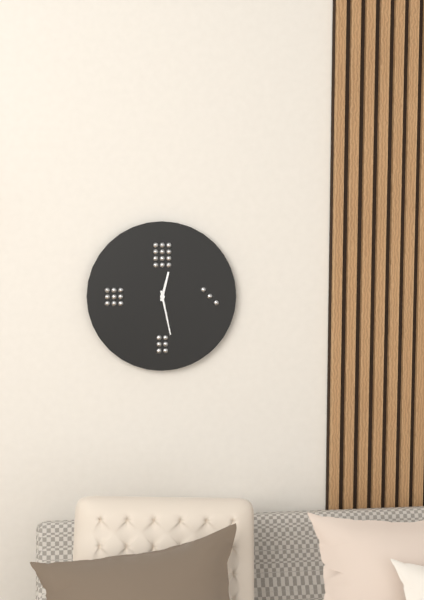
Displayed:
12,28
